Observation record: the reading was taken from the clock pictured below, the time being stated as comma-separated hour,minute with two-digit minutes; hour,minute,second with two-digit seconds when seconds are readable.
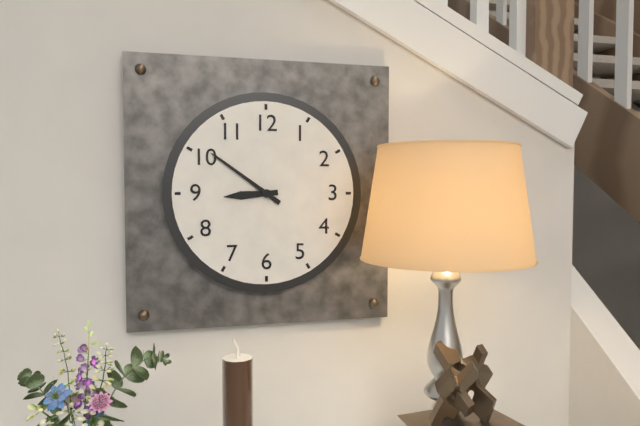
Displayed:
8,51
